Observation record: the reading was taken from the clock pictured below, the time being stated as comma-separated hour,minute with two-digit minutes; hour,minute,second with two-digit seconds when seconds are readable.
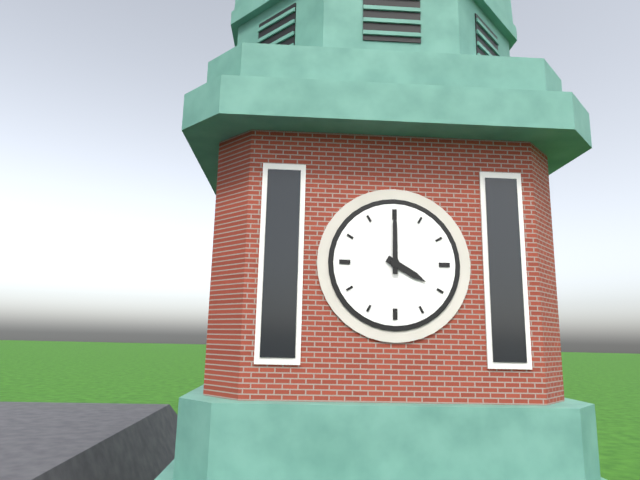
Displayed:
4,00
